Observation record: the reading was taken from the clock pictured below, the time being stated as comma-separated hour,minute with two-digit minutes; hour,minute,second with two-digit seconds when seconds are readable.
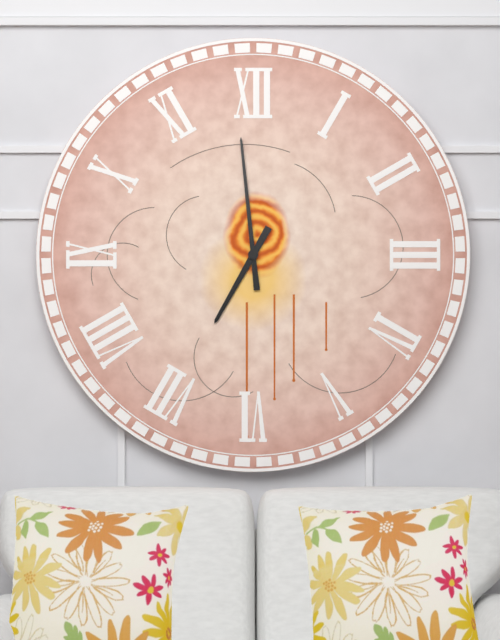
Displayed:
6,59
